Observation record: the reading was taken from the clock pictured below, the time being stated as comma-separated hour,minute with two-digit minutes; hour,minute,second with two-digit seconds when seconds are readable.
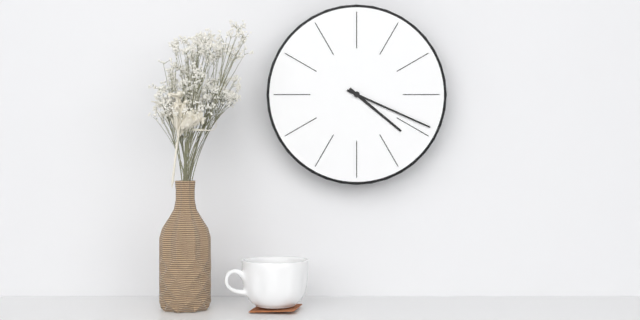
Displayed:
4,19
